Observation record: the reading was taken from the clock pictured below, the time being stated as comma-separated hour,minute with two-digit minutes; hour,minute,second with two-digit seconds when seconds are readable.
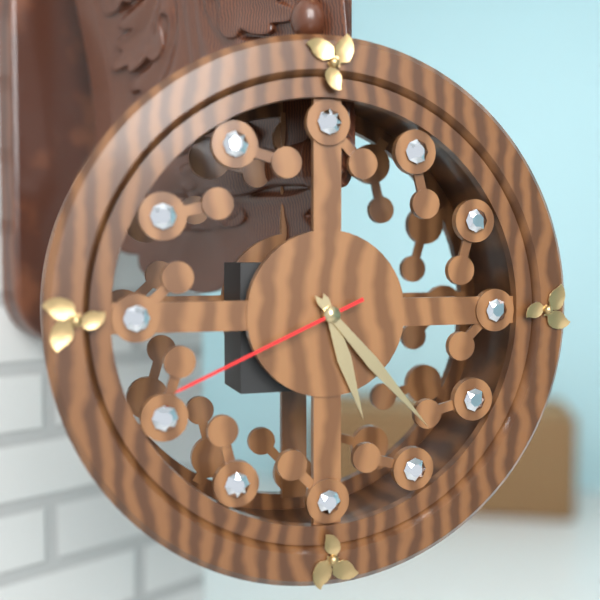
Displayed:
5,23,41
